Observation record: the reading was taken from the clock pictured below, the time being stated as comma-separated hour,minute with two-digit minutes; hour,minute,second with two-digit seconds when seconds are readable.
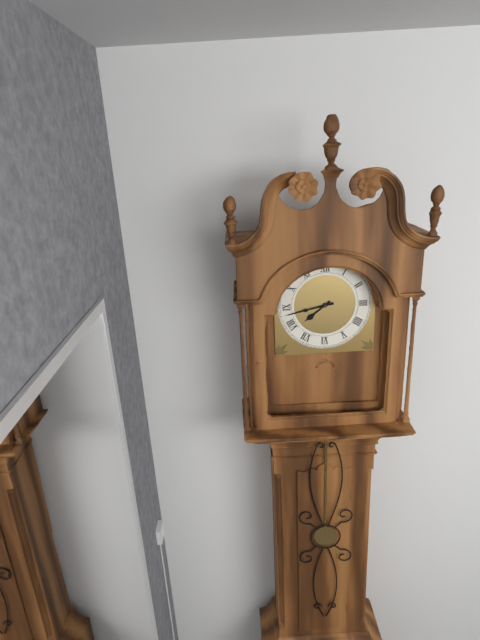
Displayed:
7,43
